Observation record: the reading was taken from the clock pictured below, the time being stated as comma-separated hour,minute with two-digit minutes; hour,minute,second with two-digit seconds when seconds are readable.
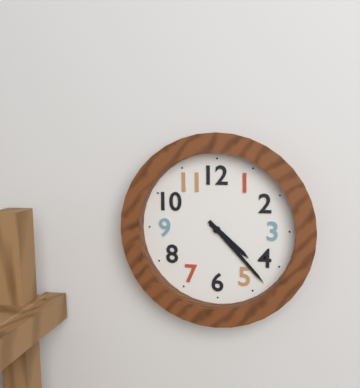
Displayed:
4,23
